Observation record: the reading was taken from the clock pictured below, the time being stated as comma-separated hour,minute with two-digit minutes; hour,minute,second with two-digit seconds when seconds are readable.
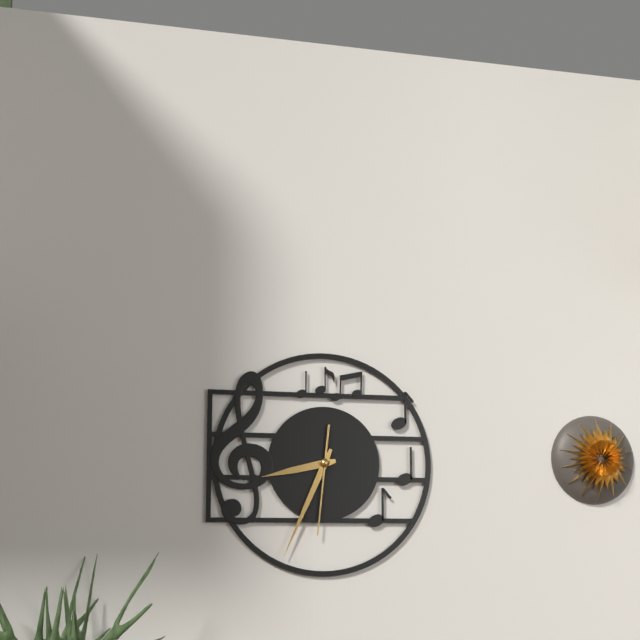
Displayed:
8,34,31
